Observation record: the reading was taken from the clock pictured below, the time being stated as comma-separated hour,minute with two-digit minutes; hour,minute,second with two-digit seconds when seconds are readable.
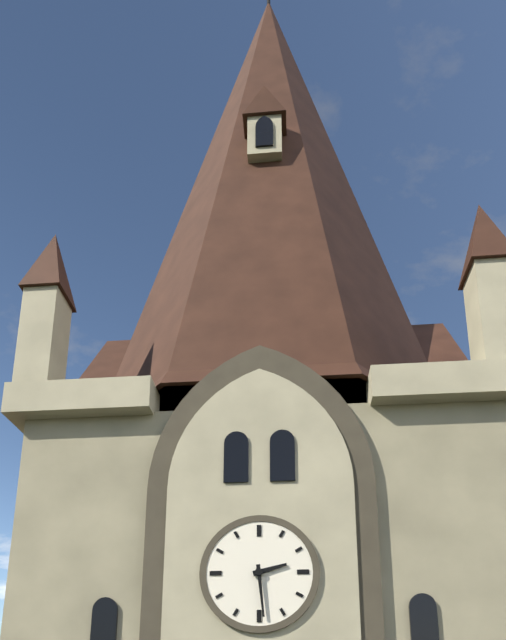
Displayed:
2,29
